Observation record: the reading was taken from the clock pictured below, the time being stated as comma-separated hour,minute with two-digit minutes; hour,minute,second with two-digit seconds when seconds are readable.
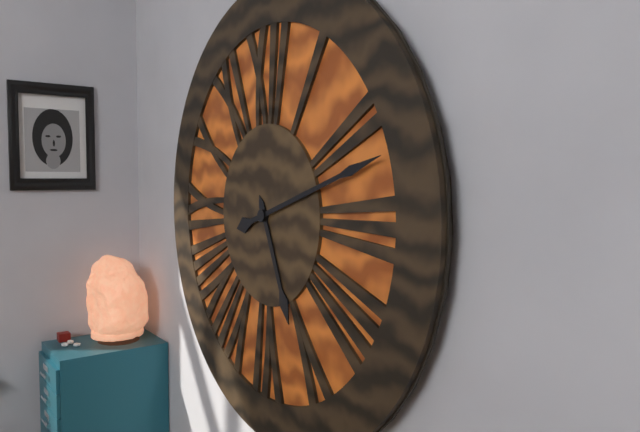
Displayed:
5,12
